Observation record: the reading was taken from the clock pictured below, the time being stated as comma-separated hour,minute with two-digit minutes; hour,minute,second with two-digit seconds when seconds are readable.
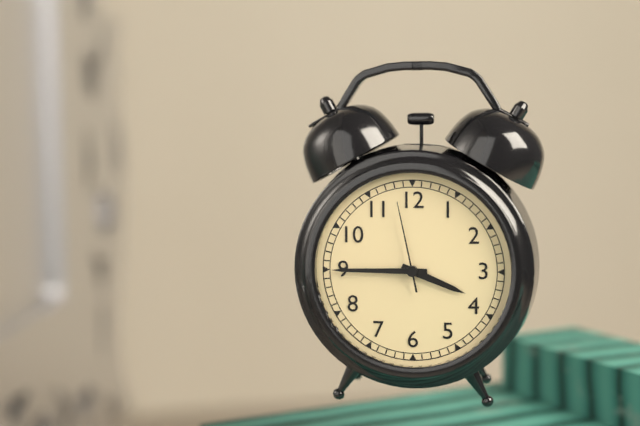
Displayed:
3,45,58
